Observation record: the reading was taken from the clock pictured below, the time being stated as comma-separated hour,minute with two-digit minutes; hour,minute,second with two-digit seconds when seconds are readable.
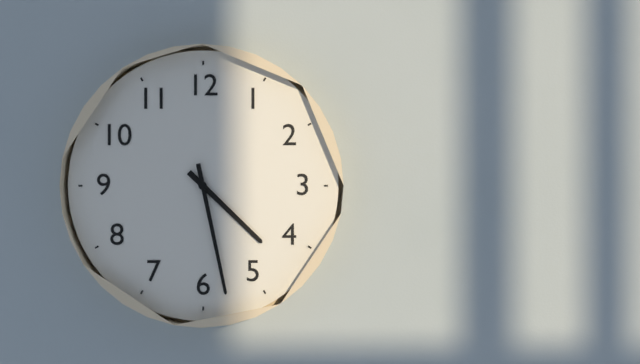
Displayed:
4,28
